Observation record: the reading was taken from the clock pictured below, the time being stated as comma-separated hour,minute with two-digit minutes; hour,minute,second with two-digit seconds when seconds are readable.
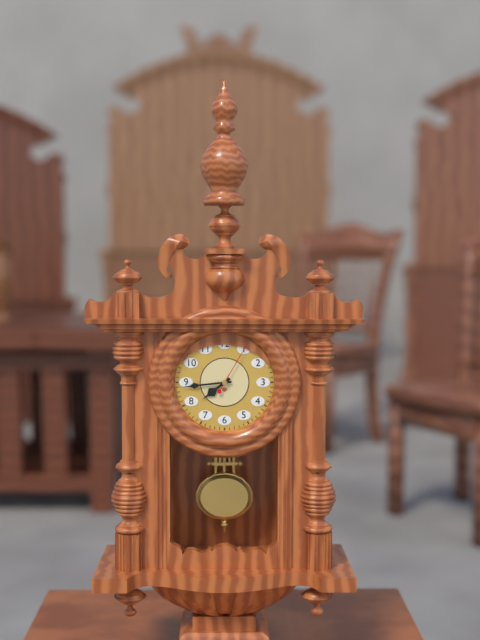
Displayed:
7,44,05
